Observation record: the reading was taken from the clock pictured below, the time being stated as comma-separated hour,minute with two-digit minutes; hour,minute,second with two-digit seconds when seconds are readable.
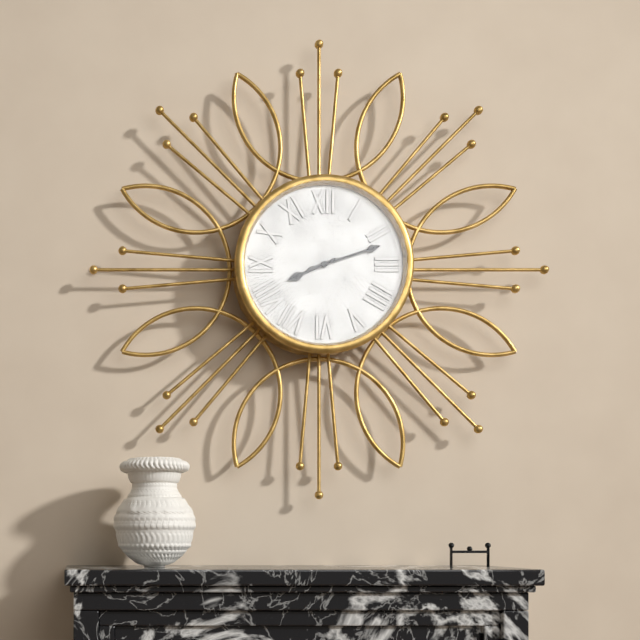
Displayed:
8,12
